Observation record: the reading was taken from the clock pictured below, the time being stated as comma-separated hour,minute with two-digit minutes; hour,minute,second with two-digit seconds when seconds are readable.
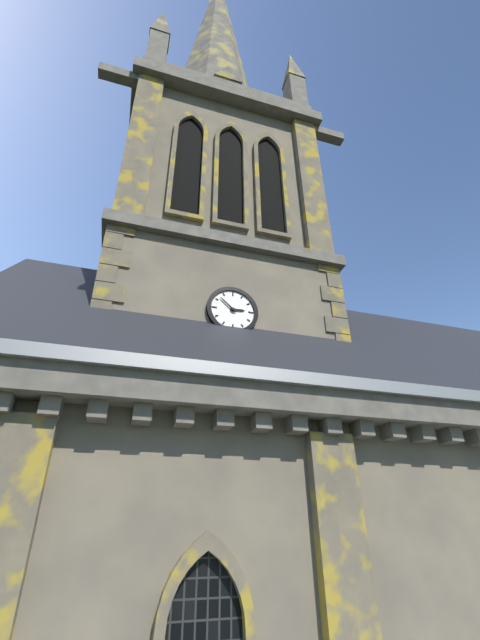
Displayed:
2,52
